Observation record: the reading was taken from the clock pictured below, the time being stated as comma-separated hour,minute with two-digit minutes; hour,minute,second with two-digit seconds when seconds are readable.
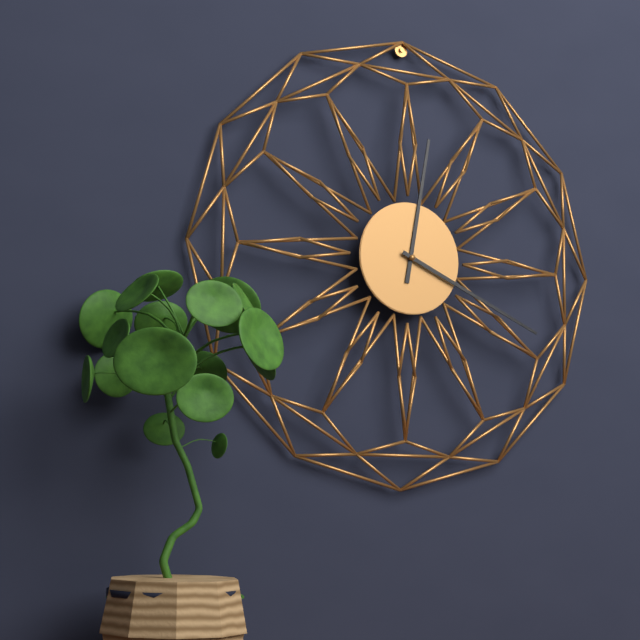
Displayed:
12,19
